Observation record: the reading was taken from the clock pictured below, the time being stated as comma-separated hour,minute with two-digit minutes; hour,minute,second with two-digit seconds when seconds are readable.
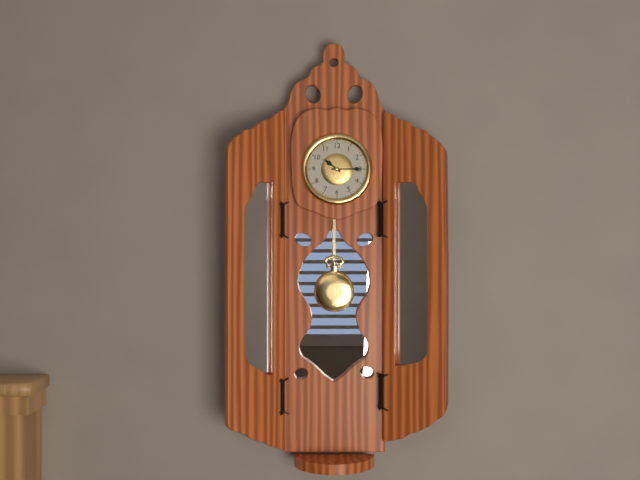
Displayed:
10,15
